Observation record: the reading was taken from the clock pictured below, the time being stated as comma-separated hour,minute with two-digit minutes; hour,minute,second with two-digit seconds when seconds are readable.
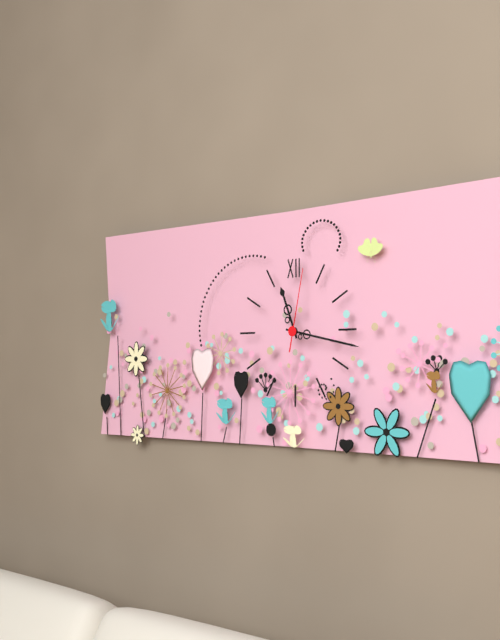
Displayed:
11,17,02
